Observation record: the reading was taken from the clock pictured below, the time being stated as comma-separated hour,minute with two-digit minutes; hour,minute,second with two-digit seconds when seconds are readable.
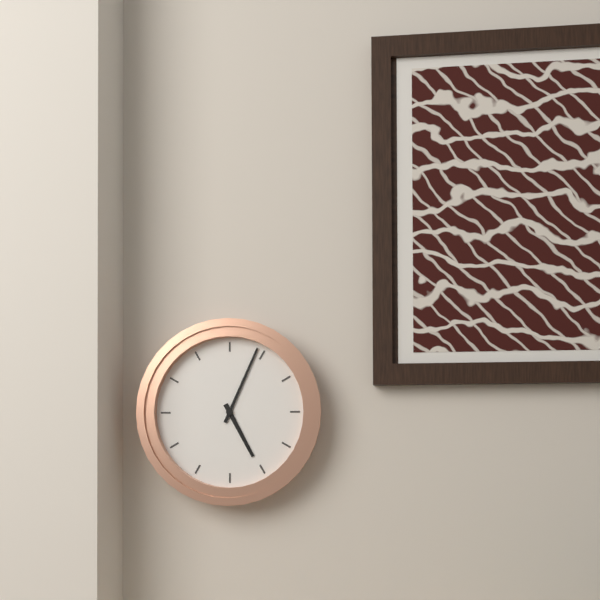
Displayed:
5,04
